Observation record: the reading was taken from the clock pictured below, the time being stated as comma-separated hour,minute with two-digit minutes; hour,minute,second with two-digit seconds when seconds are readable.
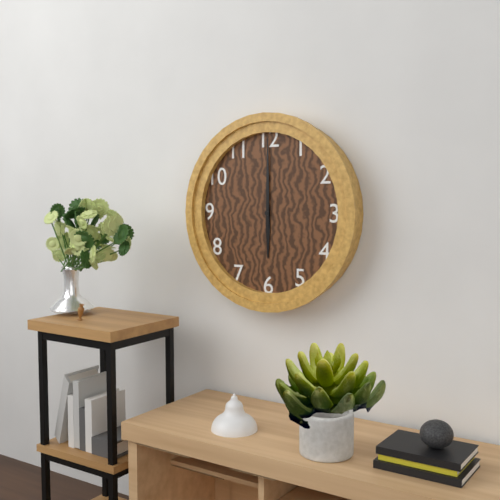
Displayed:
6,00
